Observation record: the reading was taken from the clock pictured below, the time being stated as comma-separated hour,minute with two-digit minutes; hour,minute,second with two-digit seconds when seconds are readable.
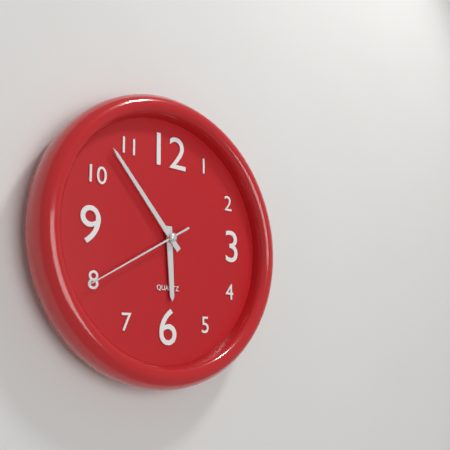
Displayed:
5,53,40
